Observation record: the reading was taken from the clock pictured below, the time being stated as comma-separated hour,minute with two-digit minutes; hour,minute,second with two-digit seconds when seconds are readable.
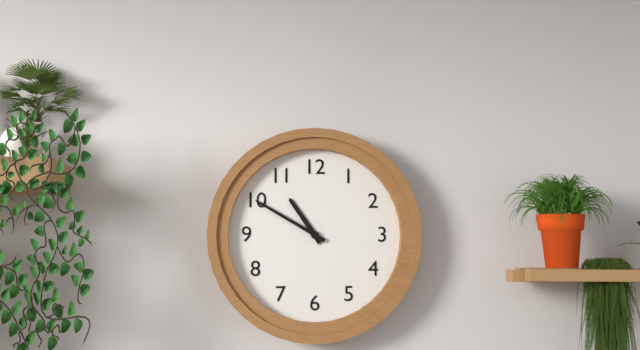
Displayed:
10,50
